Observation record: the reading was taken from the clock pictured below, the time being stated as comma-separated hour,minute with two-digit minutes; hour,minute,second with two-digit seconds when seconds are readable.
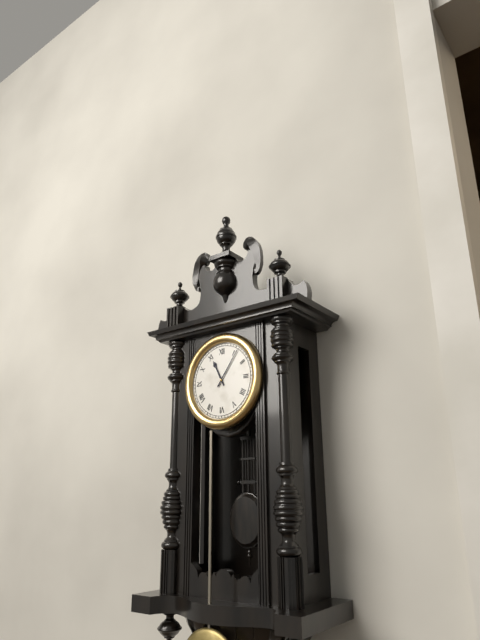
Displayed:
11,06
